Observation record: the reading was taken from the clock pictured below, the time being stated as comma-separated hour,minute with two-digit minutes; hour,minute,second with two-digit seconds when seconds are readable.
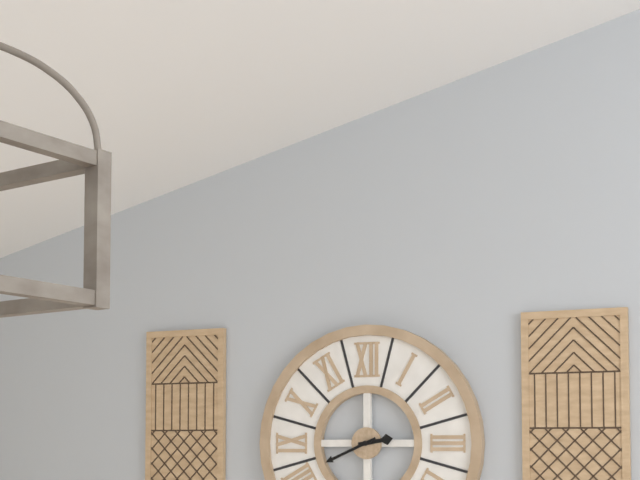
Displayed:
2,41
